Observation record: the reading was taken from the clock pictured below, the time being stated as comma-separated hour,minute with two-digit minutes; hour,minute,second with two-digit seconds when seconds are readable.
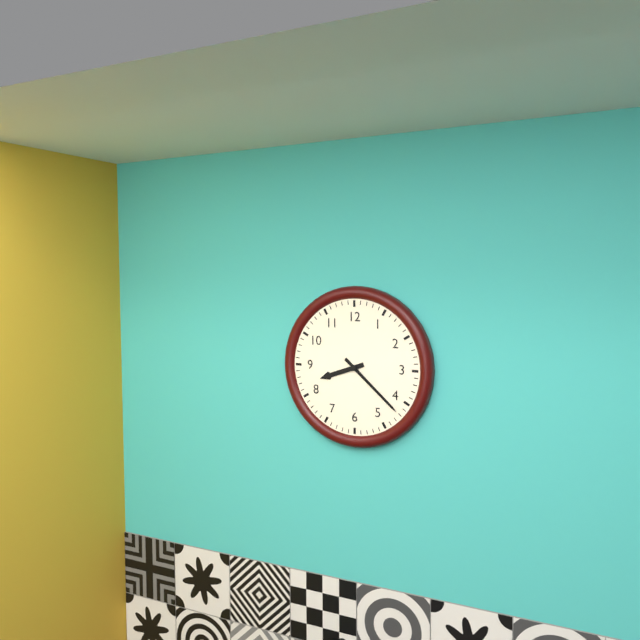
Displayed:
8,22
